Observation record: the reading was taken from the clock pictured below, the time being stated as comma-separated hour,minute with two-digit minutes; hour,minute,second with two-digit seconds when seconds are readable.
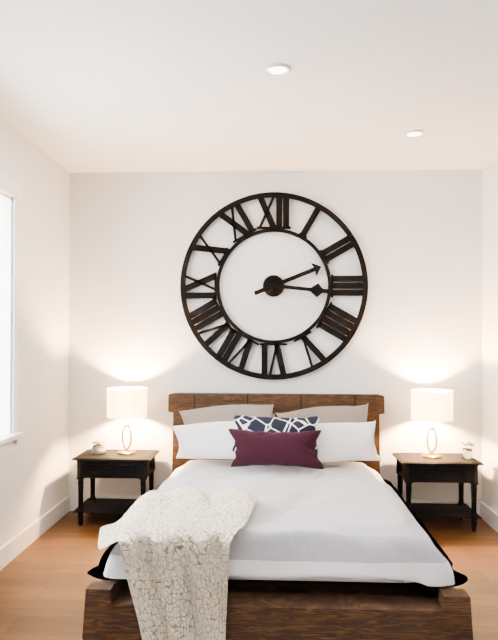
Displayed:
2,16
